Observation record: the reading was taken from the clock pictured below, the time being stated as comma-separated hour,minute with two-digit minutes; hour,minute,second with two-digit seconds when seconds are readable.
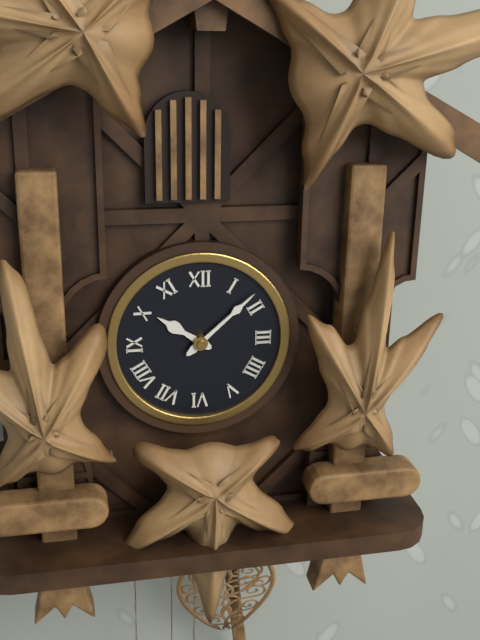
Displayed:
10,08
